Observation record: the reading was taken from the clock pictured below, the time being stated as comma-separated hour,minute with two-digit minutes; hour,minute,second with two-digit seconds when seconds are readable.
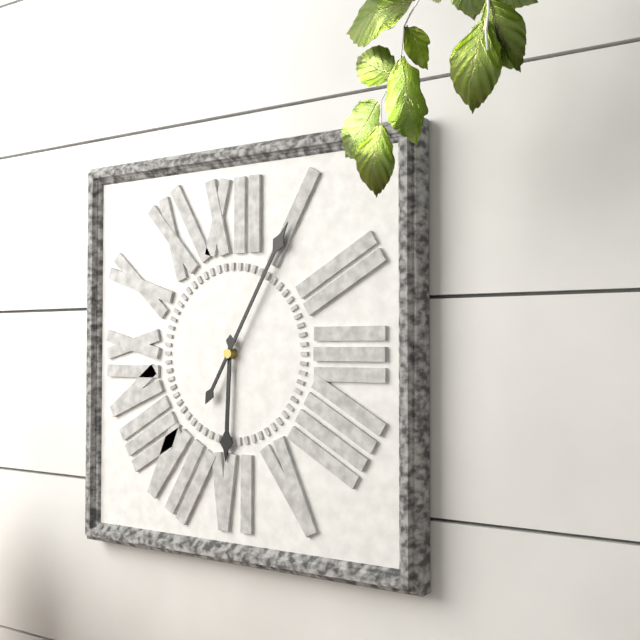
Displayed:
6,05
